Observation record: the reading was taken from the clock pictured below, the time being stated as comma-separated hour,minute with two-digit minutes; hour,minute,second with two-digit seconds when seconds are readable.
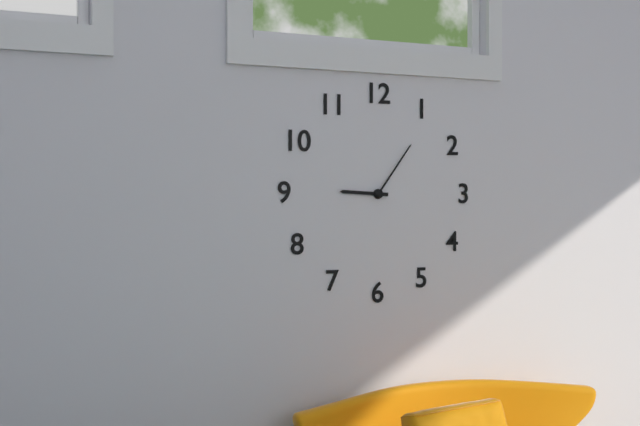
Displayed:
9,06
